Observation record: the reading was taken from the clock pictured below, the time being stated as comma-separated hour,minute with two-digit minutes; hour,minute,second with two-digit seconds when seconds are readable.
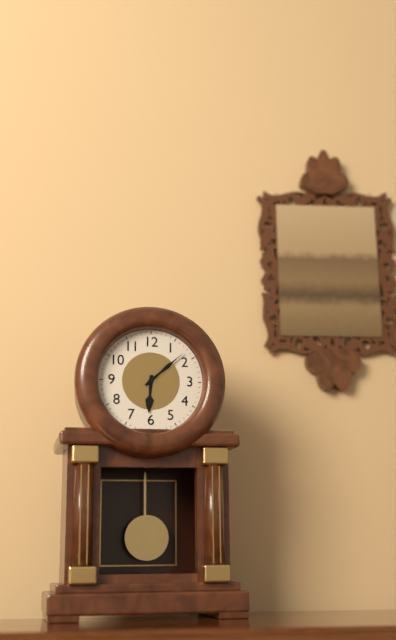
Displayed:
6,08
